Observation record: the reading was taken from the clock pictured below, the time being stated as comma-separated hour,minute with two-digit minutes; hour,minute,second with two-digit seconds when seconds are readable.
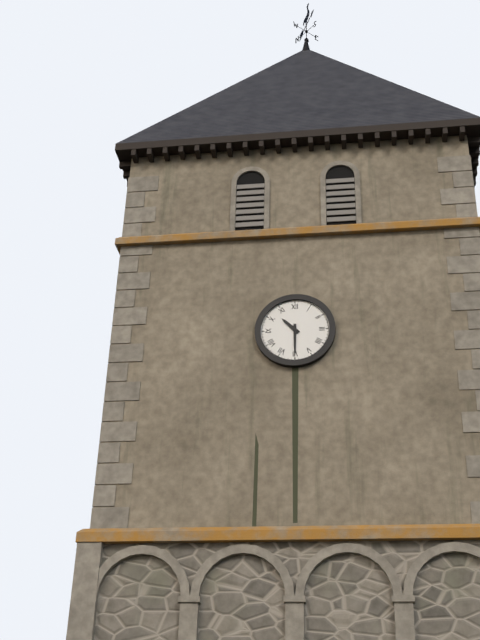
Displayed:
10,30
